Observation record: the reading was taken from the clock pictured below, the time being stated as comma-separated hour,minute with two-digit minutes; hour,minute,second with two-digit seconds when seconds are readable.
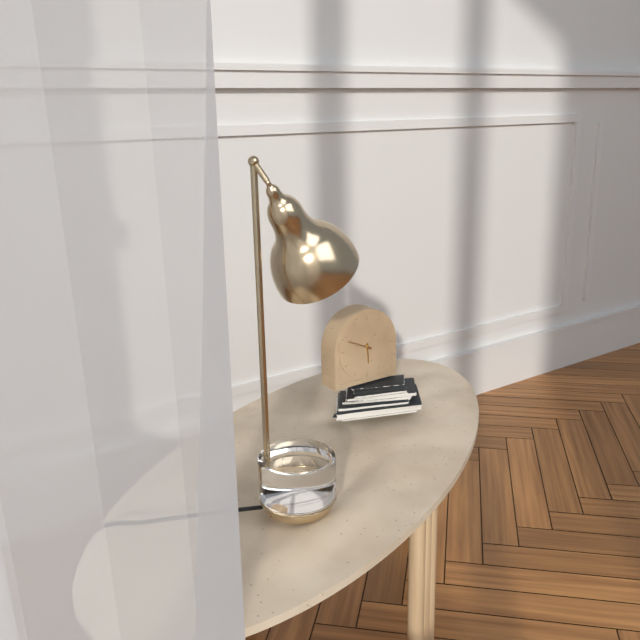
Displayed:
5,49
